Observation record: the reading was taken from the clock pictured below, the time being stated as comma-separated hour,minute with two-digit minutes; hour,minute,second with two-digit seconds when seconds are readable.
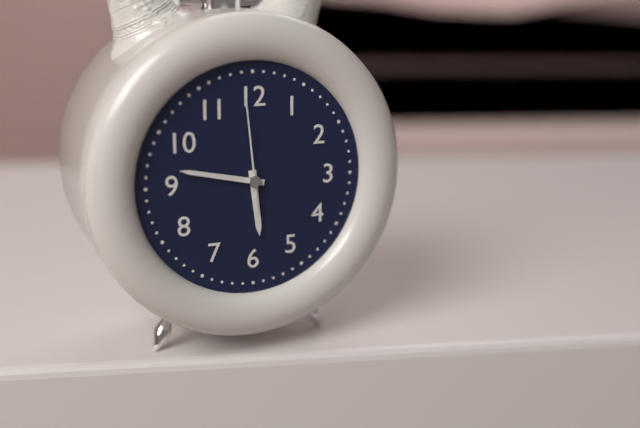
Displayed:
5,47,59
